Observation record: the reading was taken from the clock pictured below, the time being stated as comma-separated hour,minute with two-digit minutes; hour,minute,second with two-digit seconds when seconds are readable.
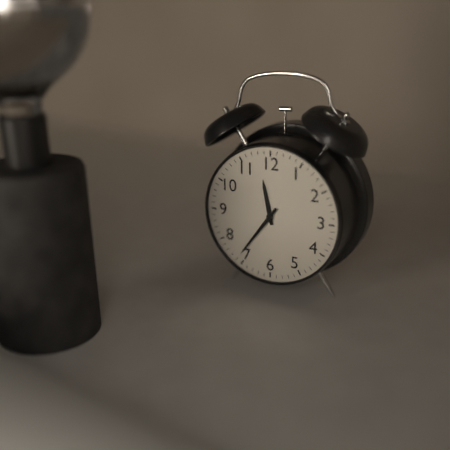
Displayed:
11,36
